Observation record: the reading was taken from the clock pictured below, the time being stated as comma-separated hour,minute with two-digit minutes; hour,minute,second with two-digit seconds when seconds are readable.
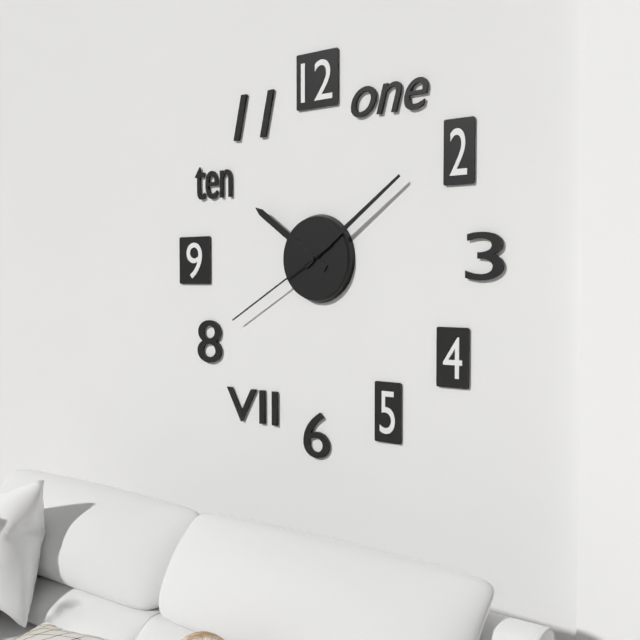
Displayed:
10,09,40
